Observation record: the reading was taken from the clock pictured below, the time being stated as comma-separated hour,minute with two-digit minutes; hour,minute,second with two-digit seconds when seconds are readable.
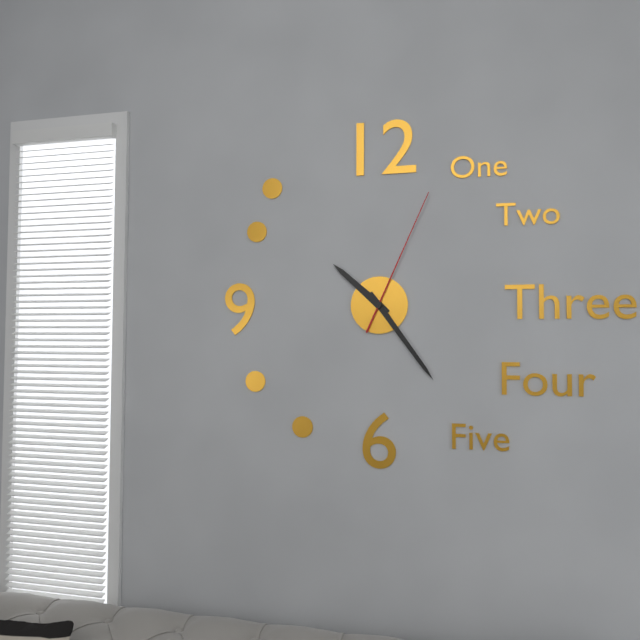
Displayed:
10,24,04
